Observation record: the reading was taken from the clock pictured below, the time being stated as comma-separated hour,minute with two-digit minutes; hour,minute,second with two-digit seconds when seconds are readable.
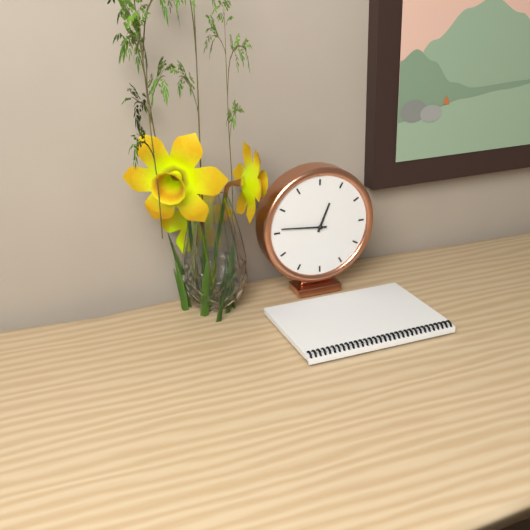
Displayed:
12,46
